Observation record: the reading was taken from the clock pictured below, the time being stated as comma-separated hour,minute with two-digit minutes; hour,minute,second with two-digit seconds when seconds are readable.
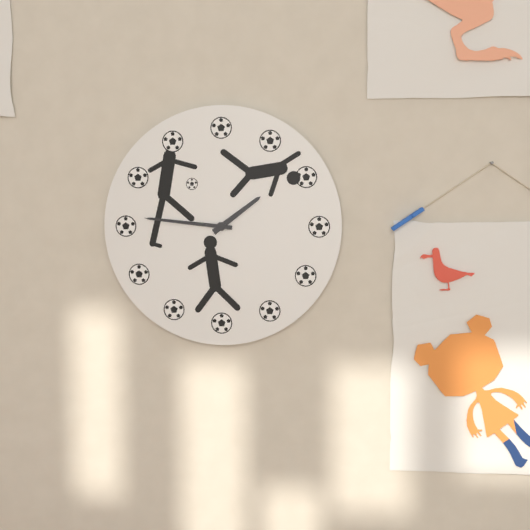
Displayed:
1,46
